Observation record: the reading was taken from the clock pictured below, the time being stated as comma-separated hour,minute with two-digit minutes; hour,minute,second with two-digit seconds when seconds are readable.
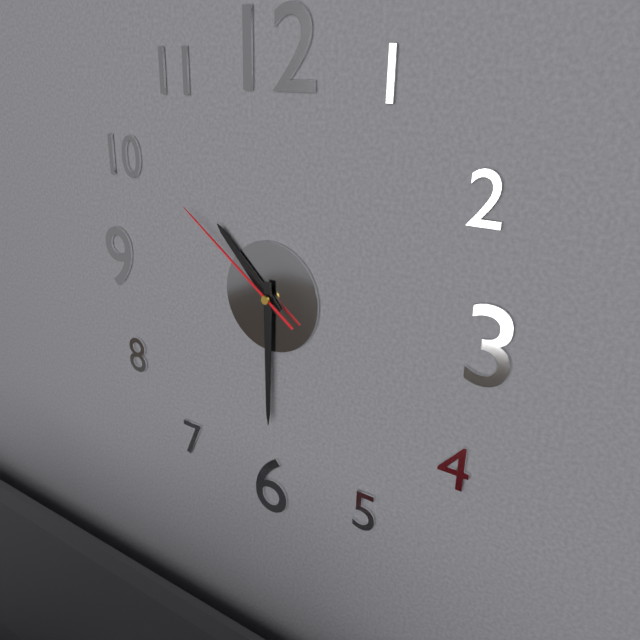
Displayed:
10,30,51
